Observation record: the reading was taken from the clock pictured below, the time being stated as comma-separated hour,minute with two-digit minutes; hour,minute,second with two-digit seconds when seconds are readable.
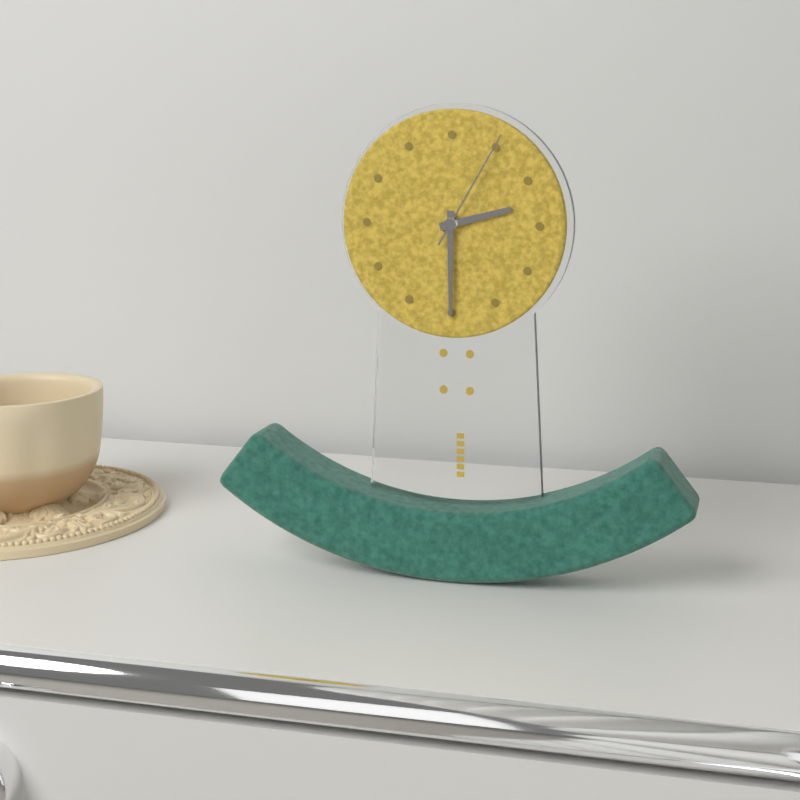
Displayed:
2,30,05
